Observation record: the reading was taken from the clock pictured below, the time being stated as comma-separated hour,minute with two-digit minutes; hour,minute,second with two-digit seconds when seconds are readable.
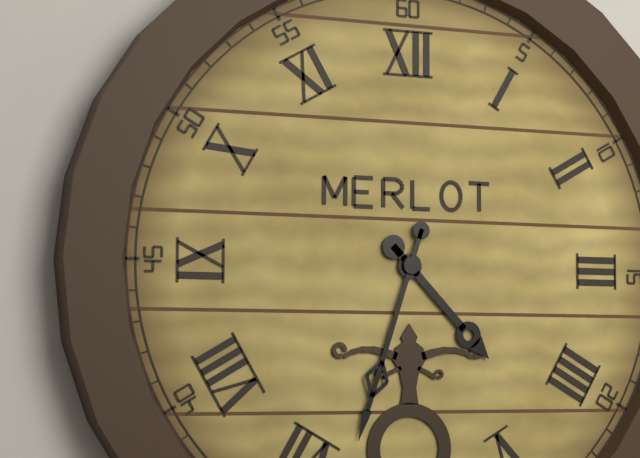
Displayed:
4,33
